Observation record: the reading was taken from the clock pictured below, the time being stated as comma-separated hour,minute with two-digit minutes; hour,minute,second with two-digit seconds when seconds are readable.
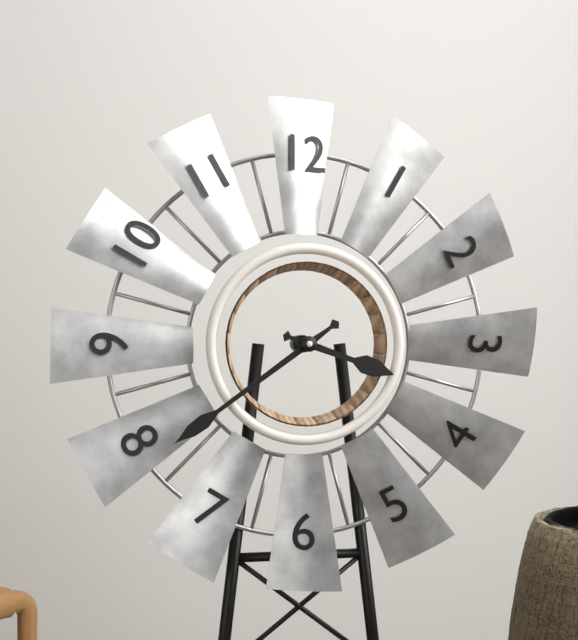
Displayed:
3,39
